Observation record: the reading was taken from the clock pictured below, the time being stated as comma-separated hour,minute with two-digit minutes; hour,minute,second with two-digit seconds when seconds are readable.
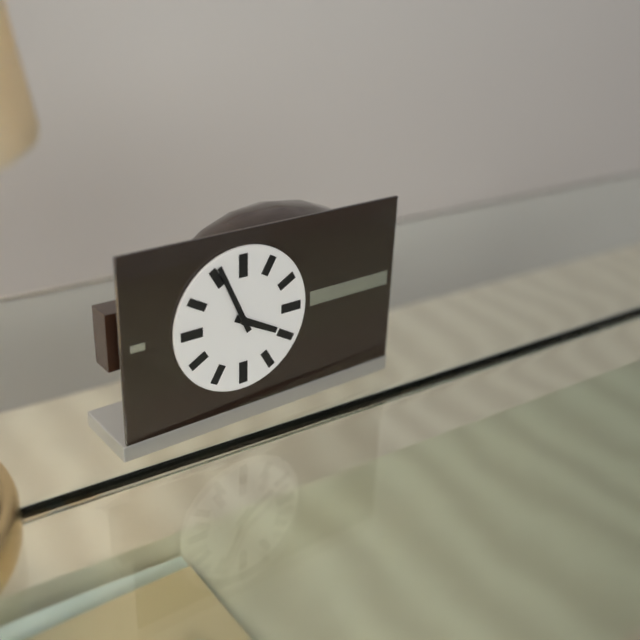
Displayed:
3,56
